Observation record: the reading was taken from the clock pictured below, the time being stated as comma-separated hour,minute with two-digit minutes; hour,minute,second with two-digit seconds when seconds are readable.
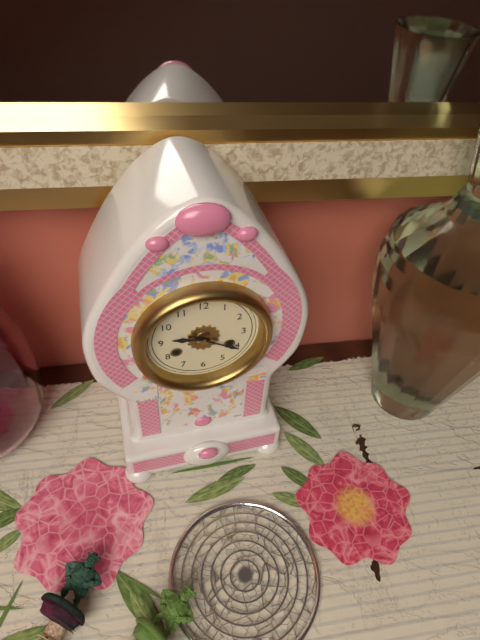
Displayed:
9,20
